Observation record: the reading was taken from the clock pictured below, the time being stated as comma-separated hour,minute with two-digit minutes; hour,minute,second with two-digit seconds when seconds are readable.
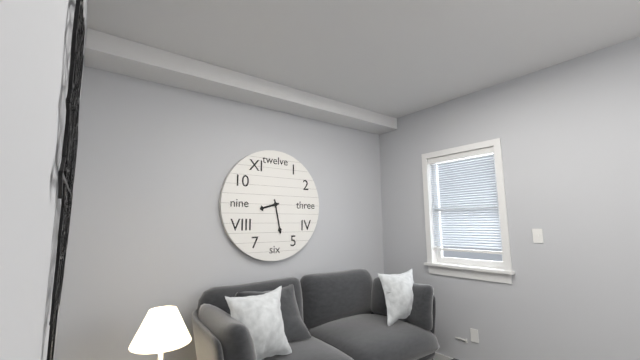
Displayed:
8,28
